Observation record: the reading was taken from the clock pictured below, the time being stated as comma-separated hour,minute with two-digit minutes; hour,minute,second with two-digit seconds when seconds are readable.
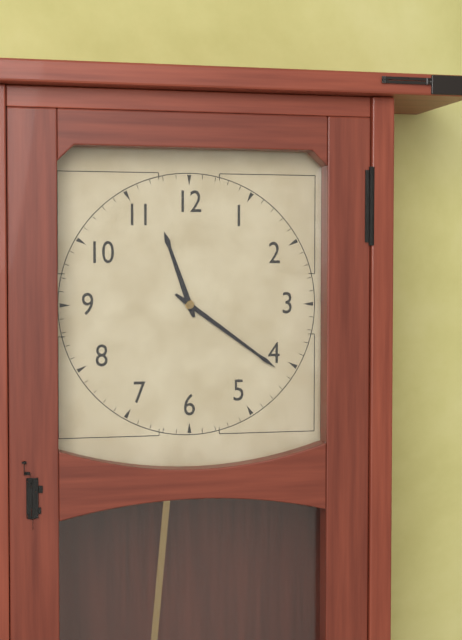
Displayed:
11,21
